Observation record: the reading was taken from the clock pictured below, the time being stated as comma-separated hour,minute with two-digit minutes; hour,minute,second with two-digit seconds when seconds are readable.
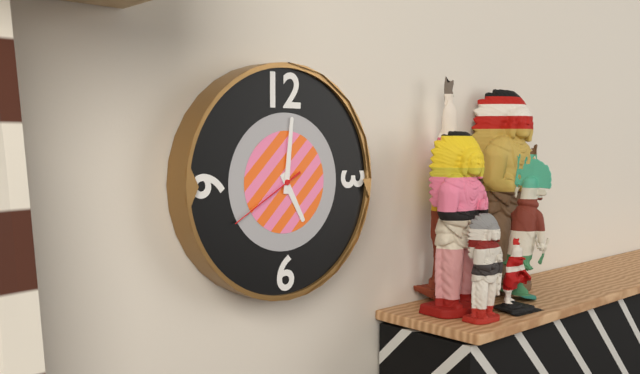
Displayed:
5,01,40
